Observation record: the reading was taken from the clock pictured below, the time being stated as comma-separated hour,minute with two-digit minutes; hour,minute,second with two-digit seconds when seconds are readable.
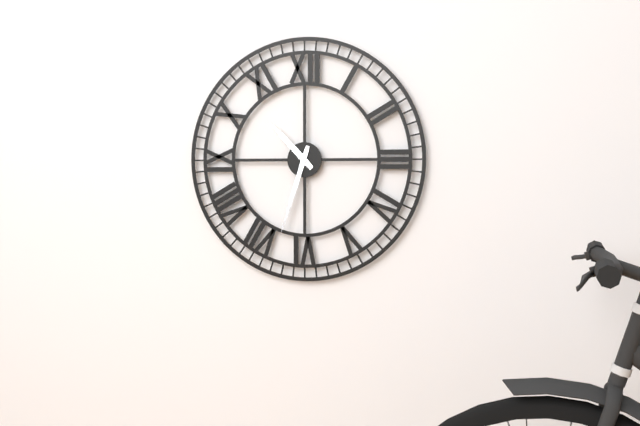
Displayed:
10,33
